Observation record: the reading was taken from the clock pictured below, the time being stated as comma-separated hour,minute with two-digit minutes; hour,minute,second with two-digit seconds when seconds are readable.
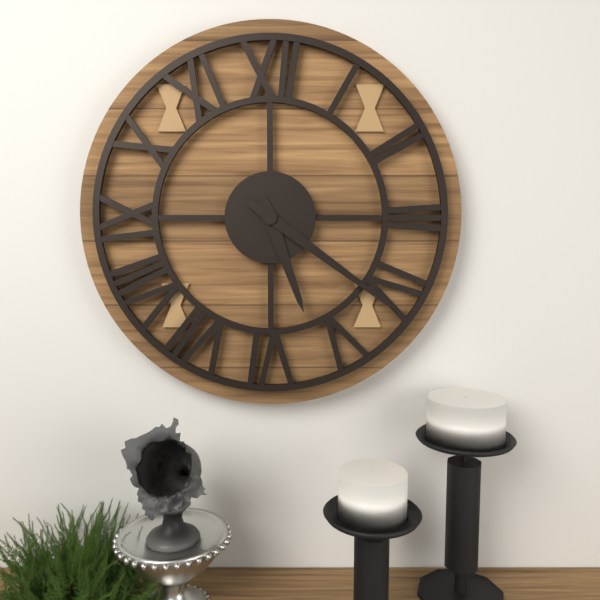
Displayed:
5,21
